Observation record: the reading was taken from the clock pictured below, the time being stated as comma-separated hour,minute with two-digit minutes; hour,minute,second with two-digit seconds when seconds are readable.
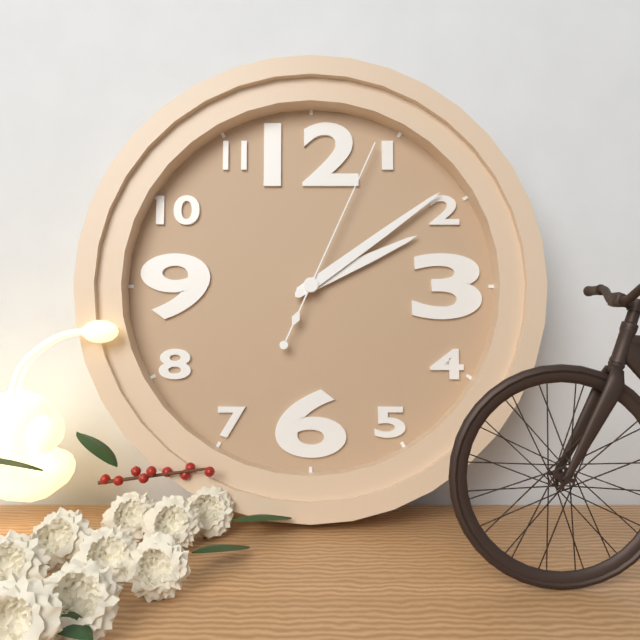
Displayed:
2,09,04
